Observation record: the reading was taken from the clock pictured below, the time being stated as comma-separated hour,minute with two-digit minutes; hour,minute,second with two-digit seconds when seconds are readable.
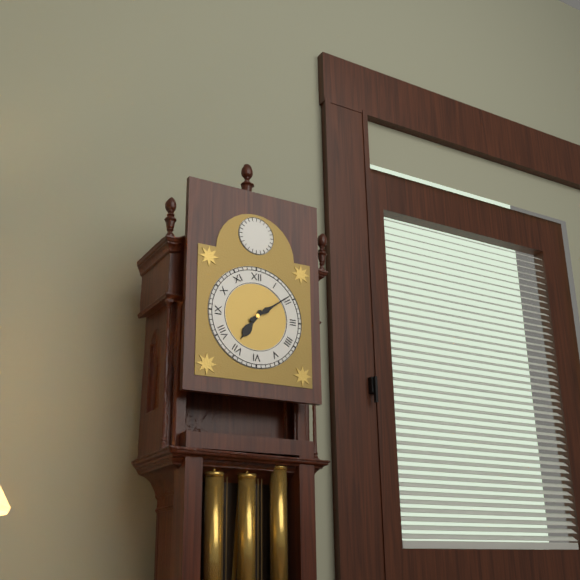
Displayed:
7,09
